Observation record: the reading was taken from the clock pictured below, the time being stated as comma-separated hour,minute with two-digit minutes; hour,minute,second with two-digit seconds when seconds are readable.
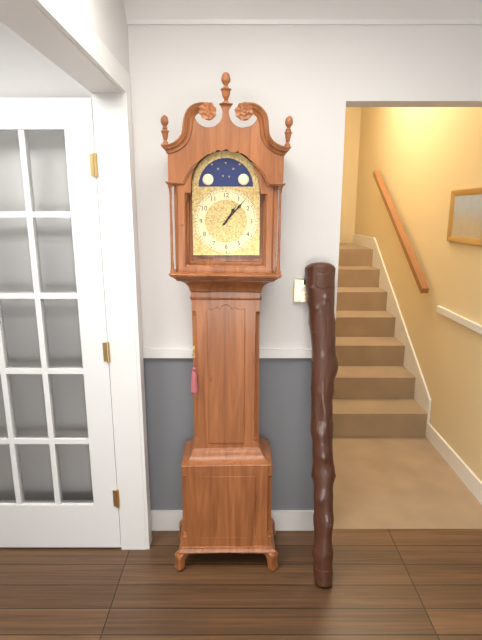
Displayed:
1,07
